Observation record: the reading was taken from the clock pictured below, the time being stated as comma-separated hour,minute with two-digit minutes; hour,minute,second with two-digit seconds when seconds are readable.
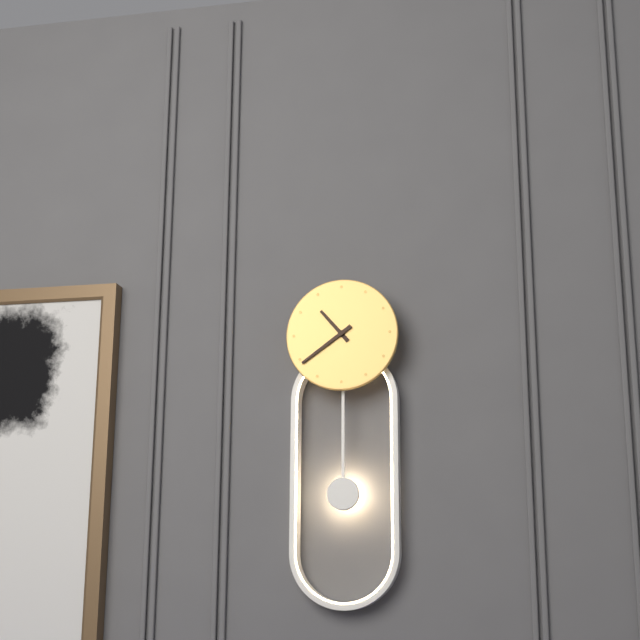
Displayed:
10,39
